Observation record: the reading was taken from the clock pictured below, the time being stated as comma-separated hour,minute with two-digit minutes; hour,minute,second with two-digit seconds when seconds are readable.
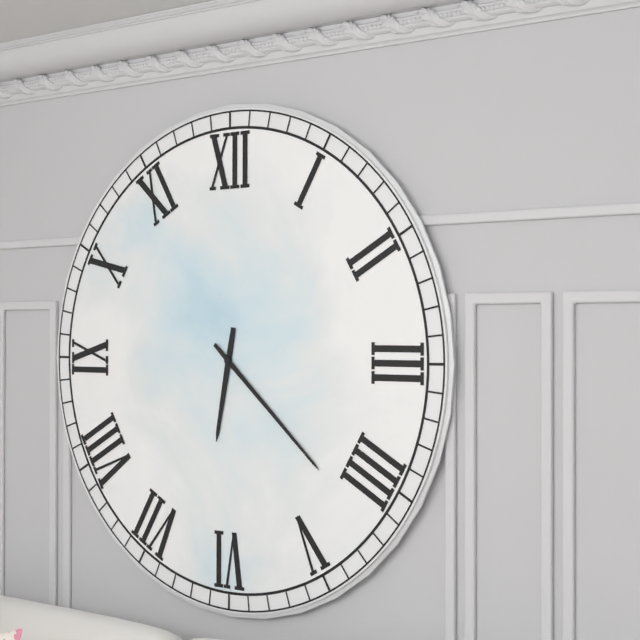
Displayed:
6,22
